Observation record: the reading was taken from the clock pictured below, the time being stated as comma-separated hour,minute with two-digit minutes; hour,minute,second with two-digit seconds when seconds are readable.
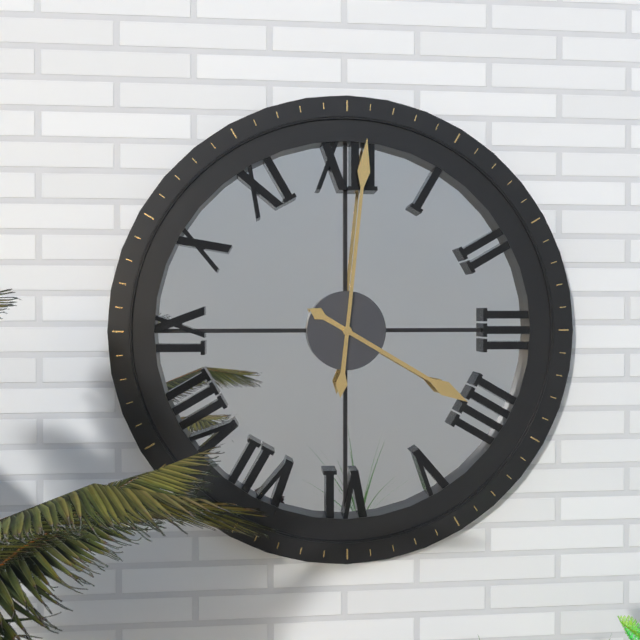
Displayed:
4,01
